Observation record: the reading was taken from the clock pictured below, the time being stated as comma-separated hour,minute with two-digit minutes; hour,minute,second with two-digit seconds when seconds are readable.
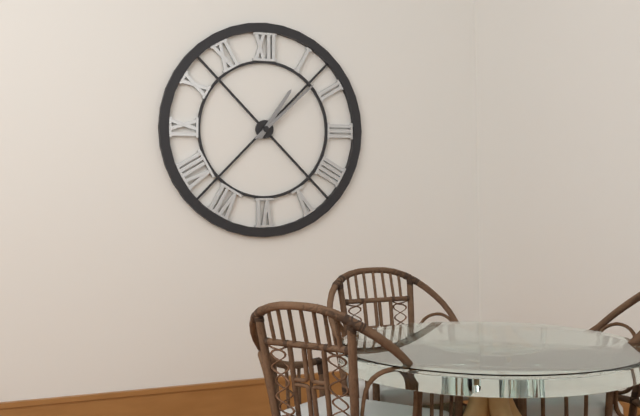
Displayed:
1,08
